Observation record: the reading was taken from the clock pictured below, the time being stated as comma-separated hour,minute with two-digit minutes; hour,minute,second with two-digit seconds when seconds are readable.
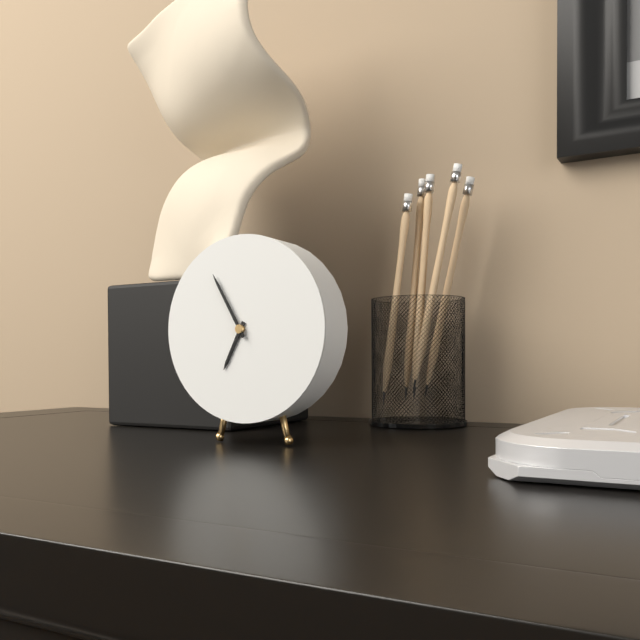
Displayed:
6,55
